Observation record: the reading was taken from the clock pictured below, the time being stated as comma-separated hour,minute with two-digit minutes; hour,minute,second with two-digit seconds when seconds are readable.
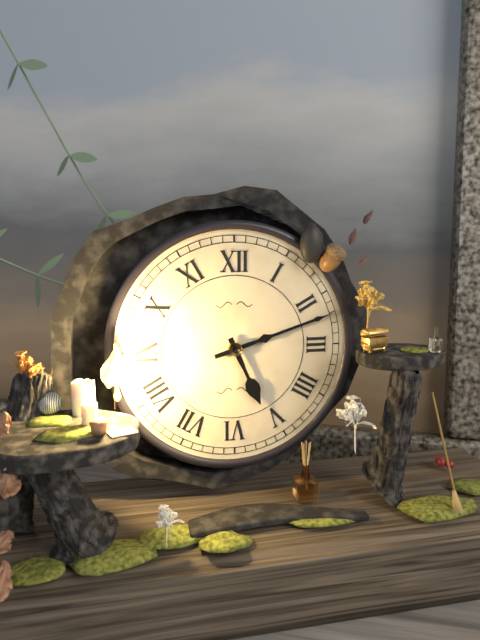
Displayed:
5,12
